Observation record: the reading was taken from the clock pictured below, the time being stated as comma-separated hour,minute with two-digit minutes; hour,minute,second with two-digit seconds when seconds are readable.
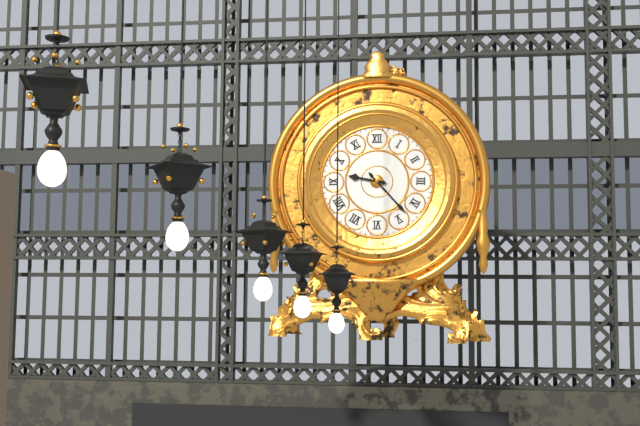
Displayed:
9,23
